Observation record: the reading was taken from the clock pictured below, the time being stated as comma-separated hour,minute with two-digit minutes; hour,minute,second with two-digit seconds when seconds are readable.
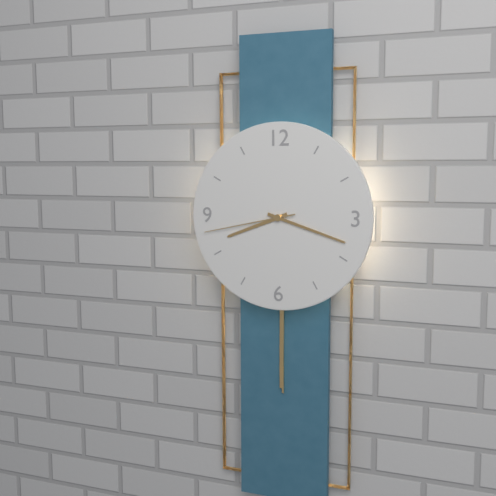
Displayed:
8,18,43
